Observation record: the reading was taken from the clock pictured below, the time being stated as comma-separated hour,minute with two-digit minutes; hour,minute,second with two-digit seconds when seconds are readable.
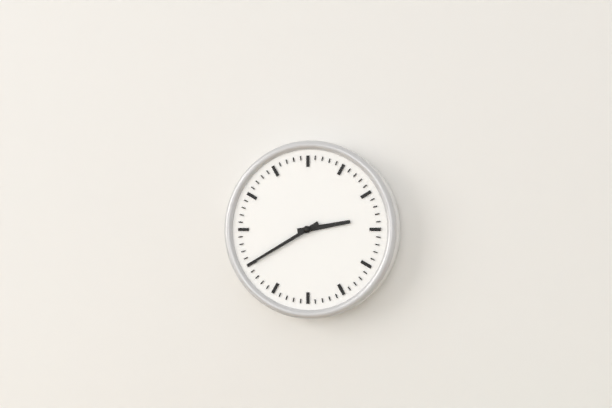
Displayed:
2,40
